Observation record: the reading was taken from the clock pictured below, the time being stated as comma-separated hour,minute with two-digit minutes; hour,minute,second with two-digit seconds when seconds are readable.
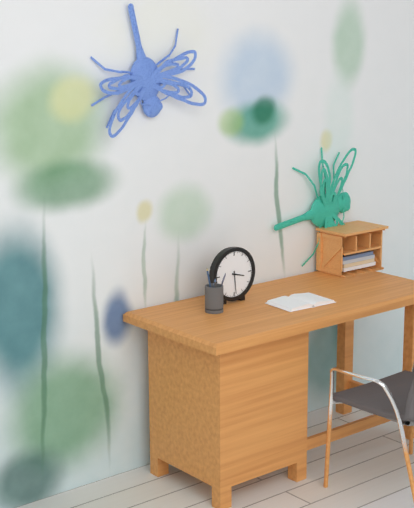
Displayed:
3,29
